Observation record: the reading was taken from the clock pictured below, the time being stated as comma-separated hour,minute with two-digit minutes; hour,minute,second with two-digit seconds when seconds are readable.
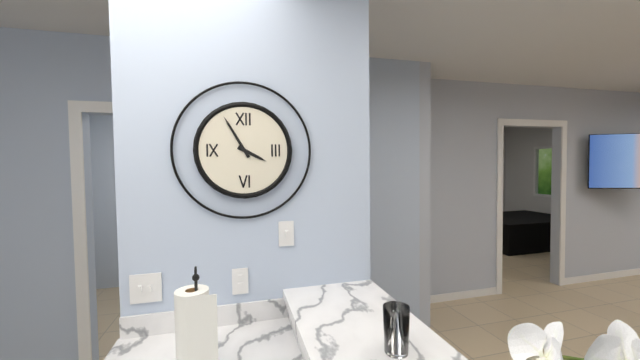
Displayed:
3,55
